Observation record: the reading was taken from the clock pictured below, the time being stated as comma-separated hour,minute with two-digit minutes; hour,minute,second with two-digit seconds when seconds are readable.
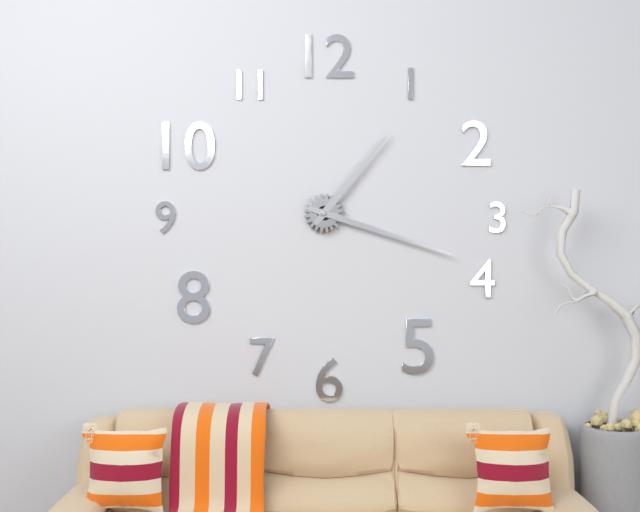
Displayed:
1,18
